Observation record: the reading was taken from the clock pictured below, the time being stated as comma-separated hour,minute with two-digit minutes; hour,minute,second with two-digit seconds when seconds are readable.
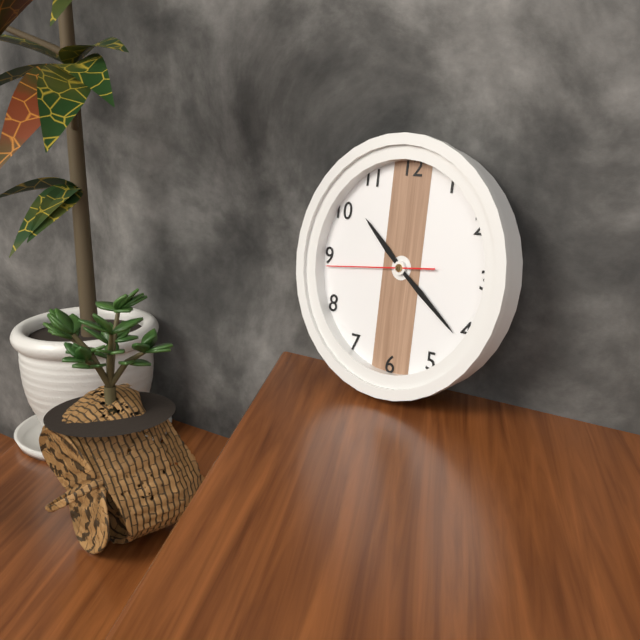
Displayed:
10,21,44
